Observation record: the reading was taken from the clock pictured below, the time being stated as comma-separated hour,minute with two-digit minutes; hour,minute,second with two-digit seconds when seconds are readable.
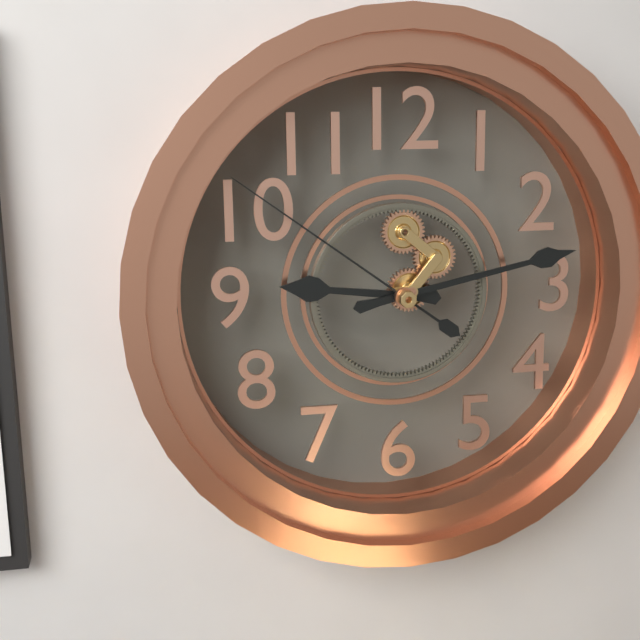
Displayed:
9,13,51
